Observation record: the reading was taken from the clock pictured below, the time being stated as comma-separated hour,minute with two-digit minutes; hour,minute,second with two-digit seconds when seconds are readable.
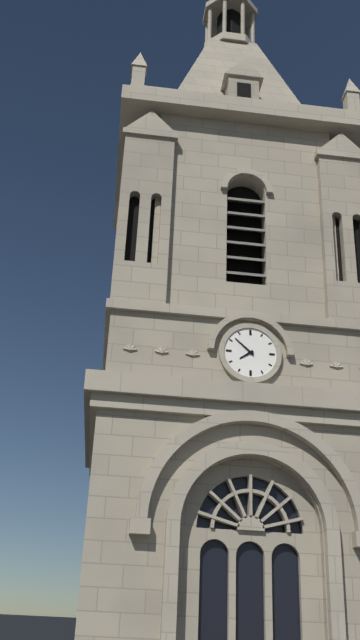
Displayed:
7,52
